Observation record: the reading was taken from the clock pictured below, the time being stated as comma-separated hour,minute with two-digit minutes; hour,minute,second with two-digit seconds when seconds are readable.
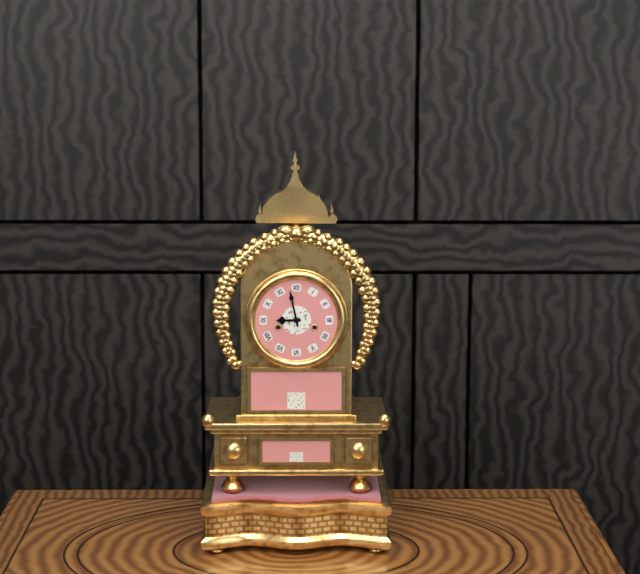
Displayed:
8,58
